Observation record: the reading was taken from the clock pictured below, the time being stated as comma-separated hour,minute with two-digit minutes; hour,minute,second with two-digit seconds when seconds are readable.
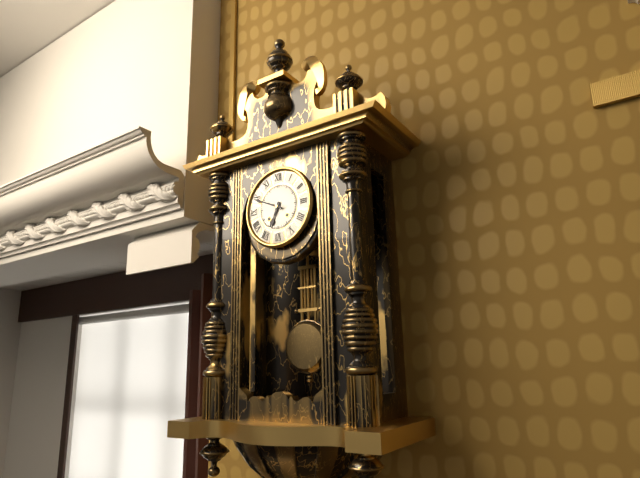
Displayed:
6,49
